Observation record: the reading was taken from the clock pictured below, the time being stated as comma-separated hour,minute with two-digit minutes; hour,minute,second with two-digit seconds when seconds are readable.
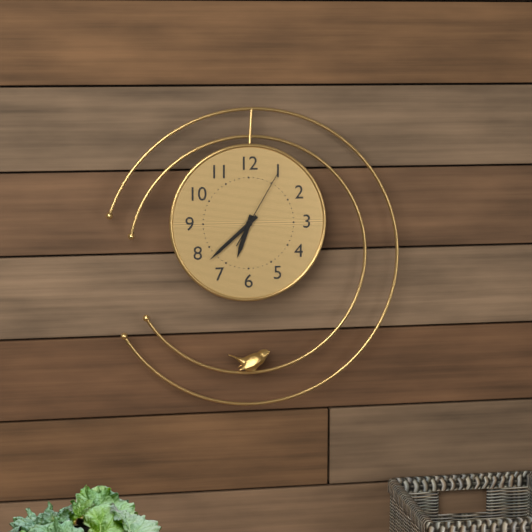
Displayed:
6,38,05
